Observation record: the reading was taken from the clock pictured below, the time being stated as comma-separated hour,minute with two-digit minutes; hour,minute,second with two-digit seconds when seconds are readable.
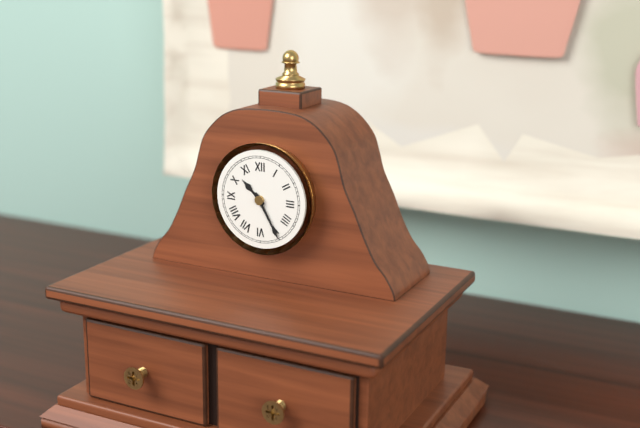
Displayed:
10,25
